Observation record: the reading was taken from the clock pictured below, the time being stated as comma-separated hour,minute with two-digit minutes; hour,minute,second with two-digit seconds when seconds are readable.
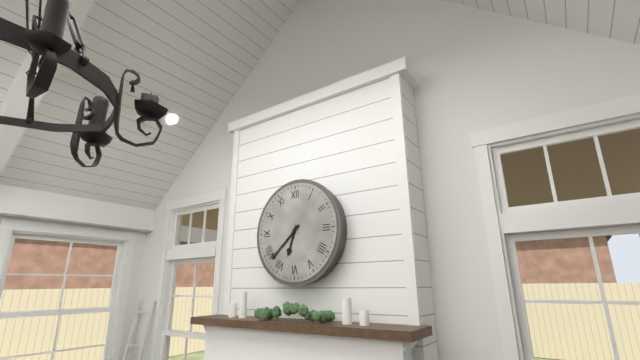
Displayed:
6,38
